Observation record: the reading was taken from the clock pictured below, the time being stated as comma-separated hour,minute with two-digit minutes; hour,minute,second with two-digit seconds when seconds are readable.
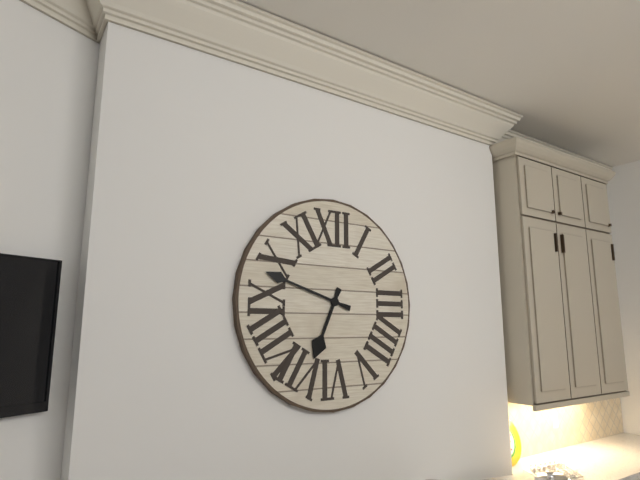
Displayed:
6,48
